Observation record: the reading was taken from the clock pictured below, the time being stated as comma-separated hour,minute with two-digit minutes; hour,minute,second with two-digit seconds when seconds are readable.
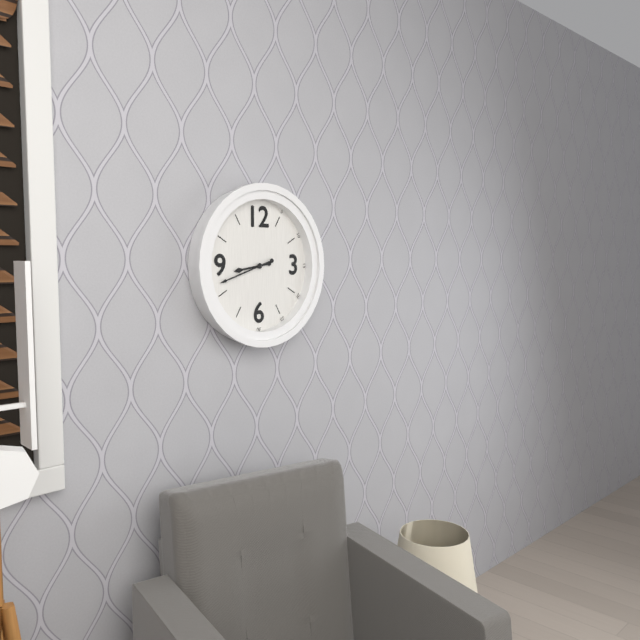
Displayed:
8,42
